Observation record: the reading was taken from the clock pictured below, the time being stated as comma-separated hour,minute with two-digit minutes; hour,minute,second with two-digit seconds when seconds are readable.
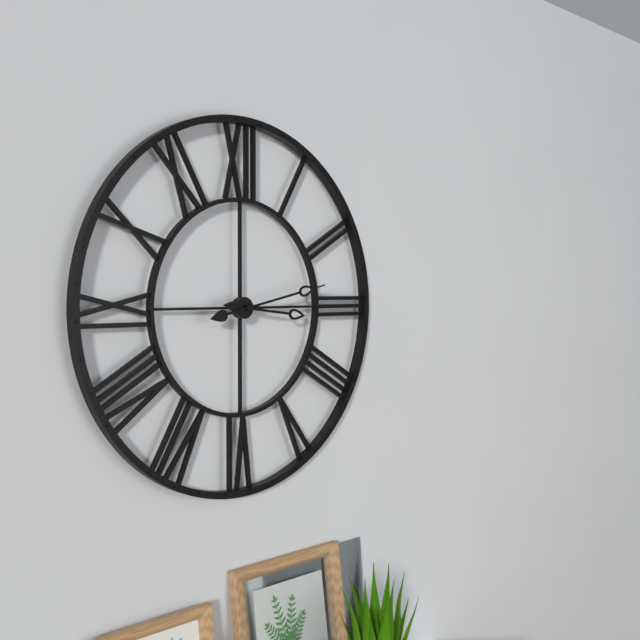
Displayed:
3,13
